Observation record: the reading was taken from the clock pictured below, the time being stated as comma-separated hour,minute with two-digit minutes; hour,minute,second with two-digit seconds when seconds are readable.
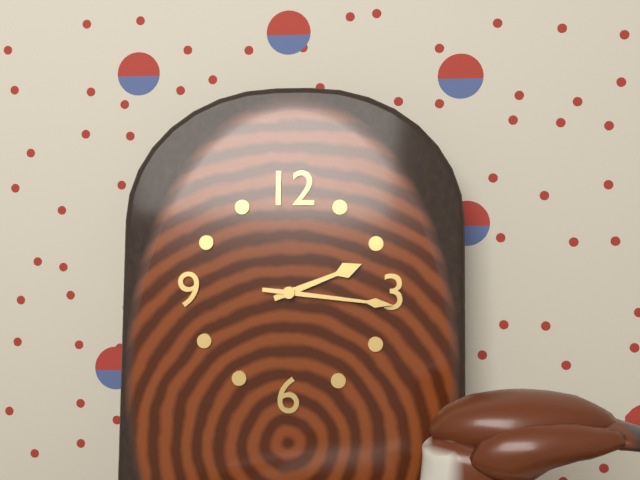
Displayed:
2,16
